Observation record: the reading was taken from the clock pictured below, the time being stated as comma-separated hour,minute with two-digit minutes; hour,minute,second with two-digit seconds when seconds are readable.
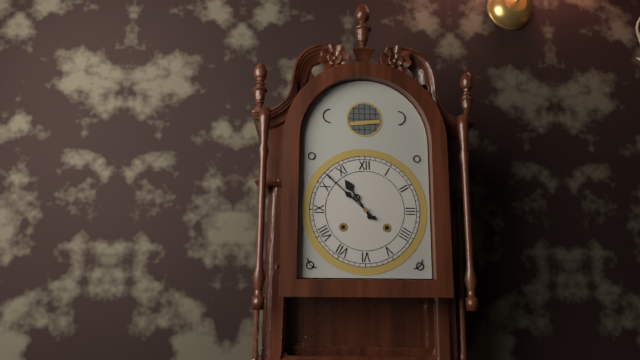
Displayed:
10,52
